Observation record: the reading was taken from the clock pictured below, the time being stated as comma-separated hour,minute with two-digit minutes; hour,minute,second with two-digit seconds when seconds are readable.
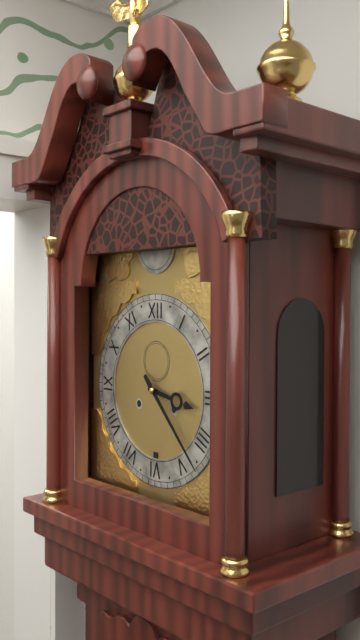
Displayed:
3,23
